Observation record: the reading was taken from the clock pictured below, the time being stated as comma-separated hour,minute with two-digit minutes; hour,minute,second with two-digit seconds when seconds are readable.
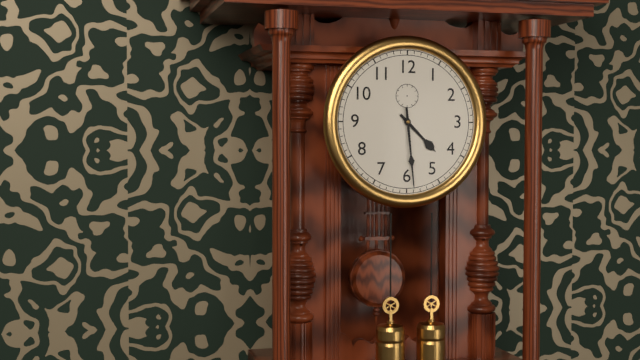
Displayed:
4,29
